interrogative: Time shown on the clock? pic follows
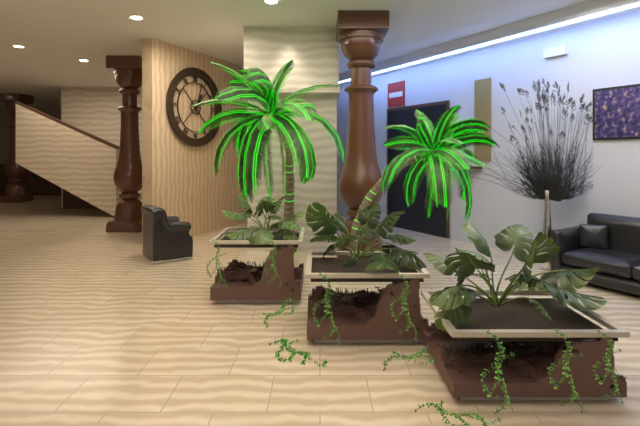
1:03
